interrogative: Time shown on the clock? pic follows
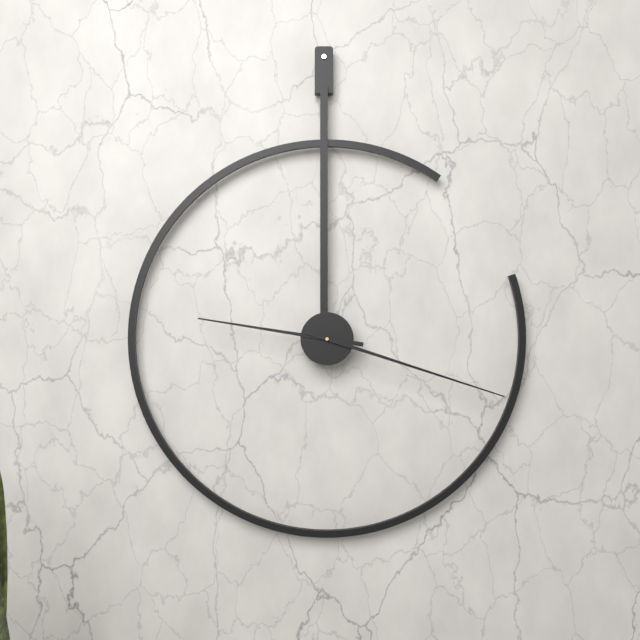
9:18
